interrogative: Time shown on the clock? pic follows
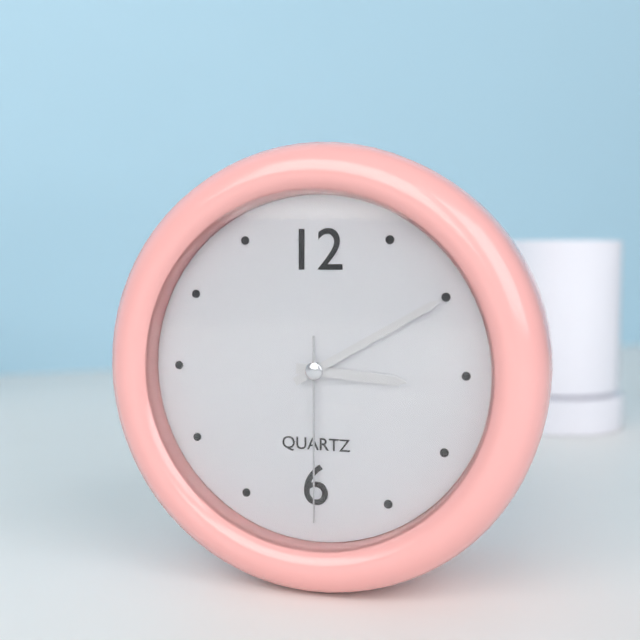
3:10:30
